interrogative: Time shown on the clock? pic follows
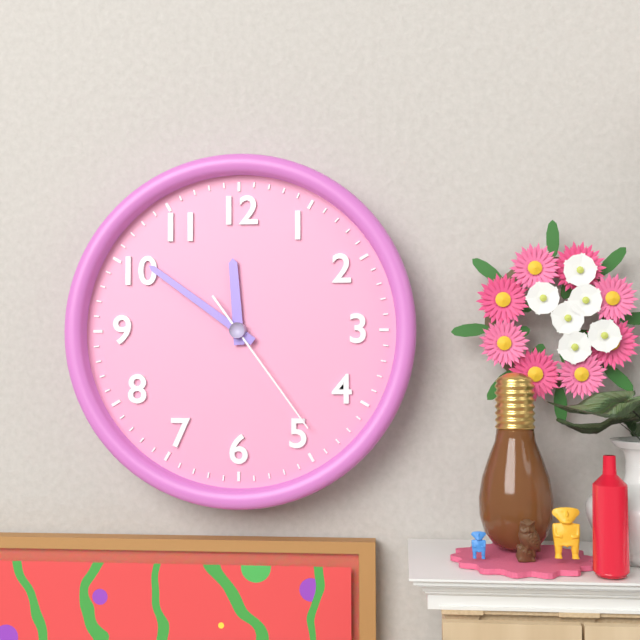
11:51:24
